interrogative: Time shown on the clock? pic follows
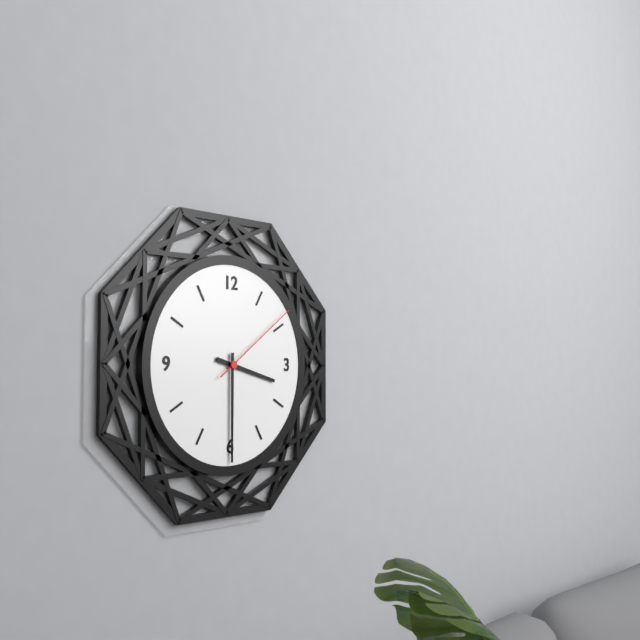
3:30:09
